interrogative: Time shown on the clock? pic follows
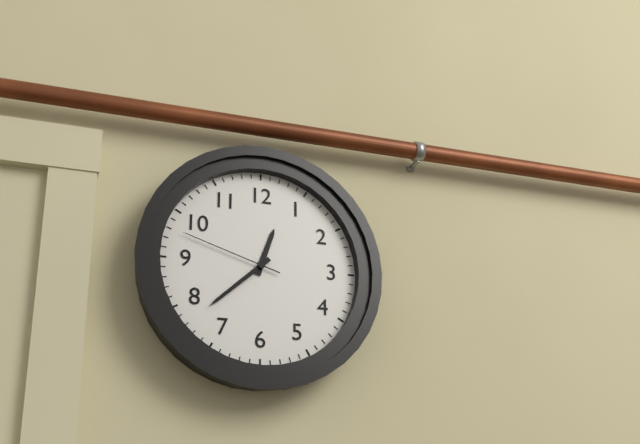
12:38:48
